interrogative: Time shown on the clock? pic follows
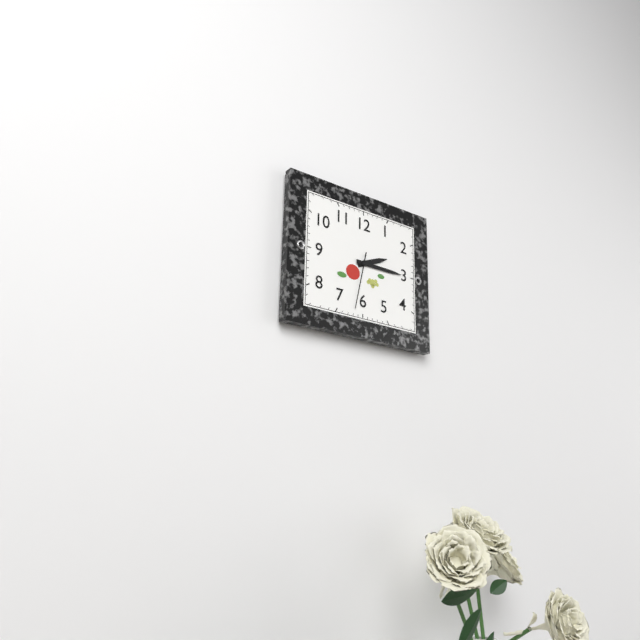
2:15:32
